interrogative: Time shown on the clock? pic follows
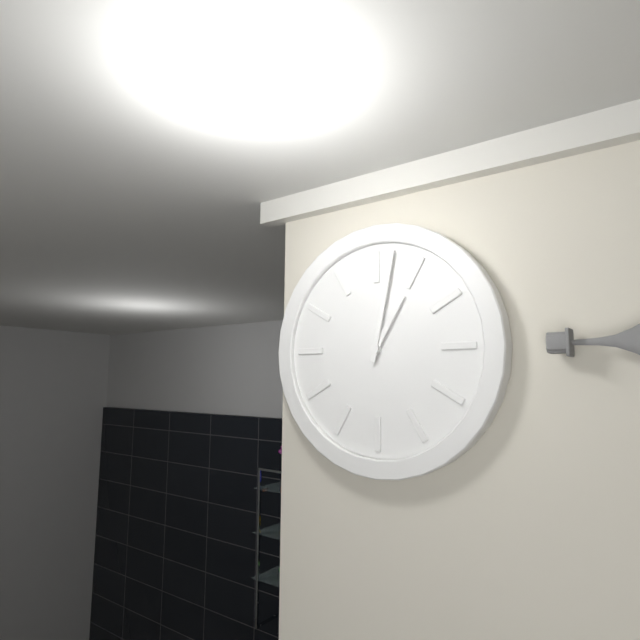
1:02
